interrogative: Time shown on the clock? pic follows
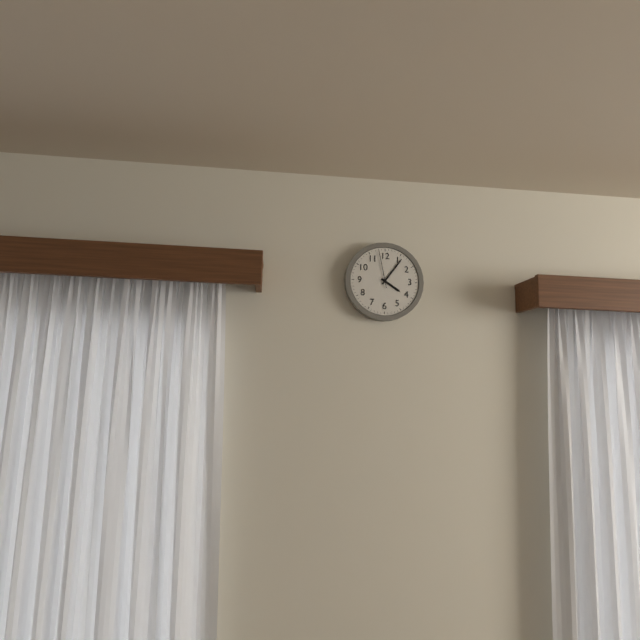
4:06
